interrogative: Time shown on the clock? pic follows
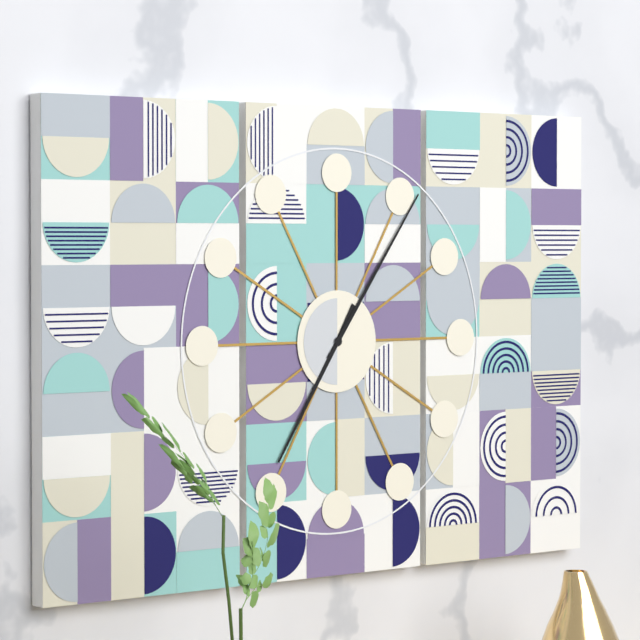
7:06
